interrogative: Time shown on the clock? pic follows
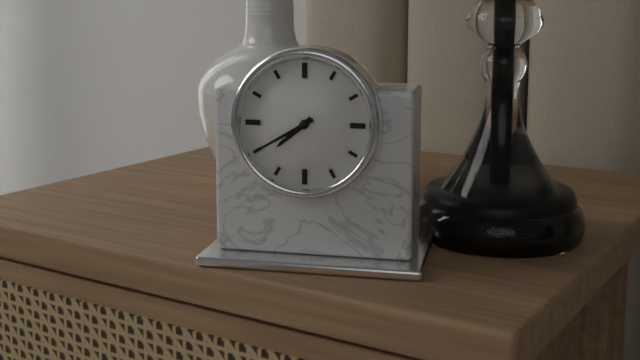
7:40
